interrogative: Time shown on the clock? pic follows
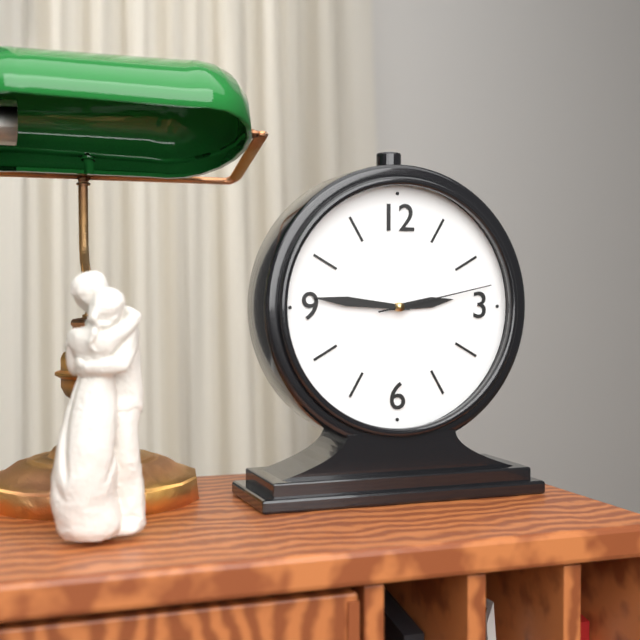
2:46:13
